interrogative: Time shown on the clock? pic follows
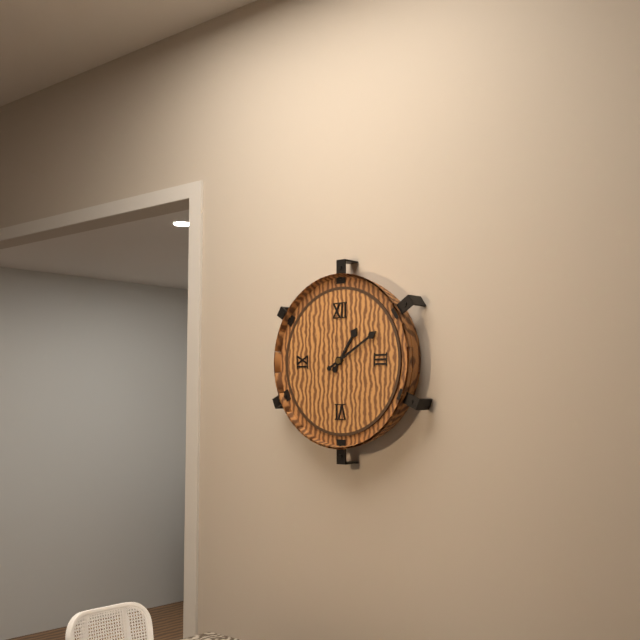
1:10
